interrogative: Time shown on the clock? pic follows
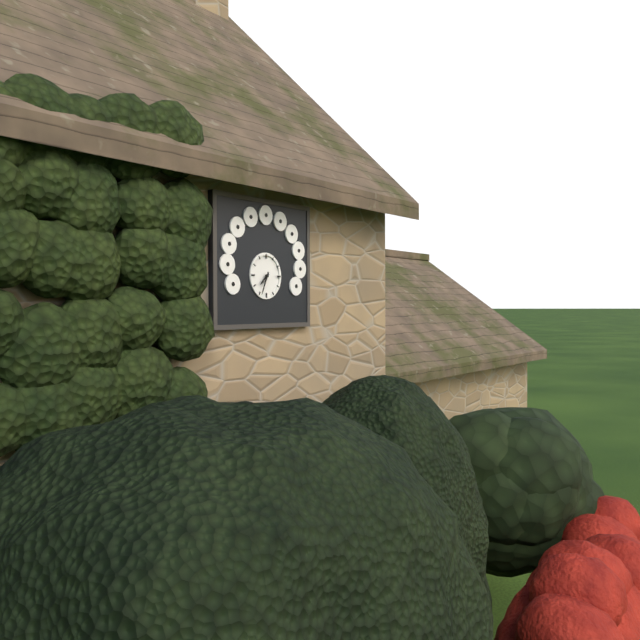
7:34
